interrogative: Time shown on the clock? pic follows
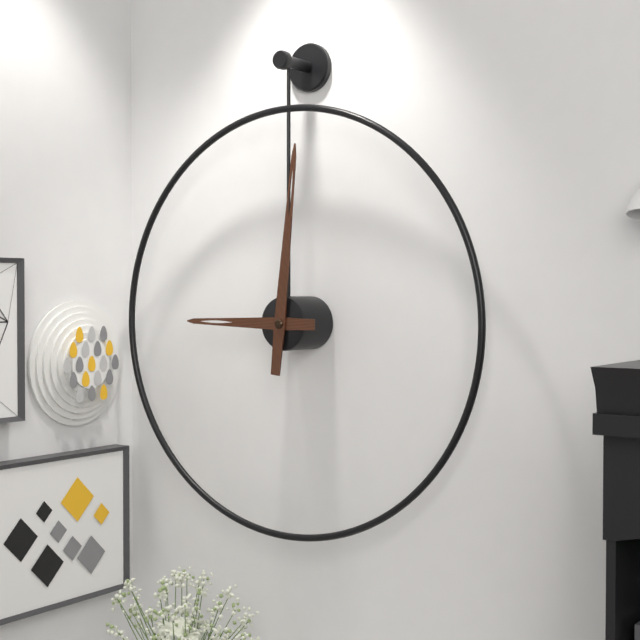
9:01
